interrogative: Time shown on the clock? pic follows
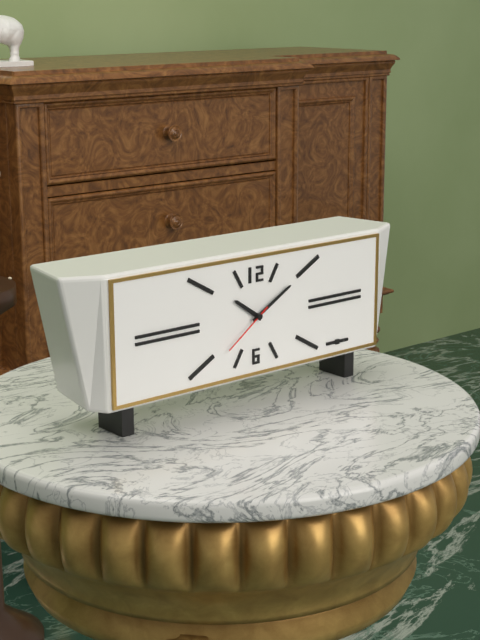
10:10:39
